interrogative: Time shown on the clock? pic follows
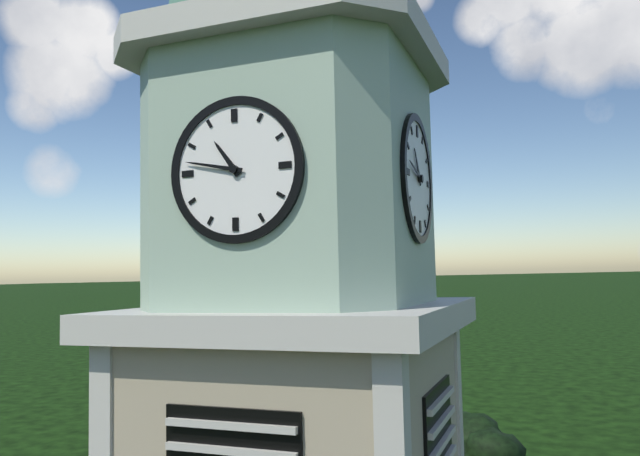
10:47
